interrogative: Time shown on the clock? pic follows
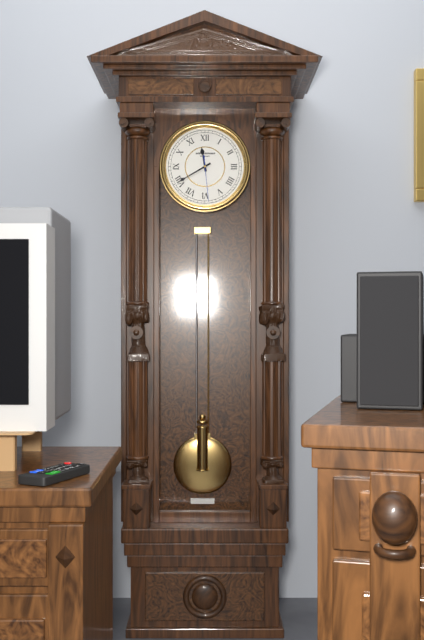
11:40
